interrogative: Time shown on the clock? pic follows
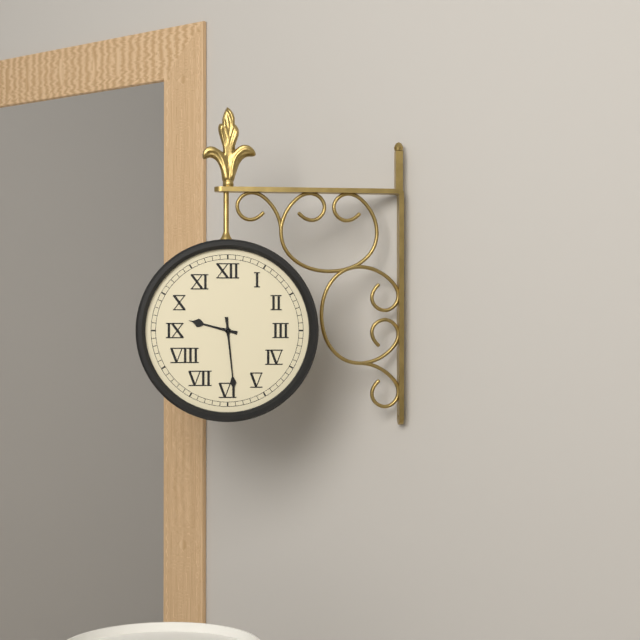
9:29
